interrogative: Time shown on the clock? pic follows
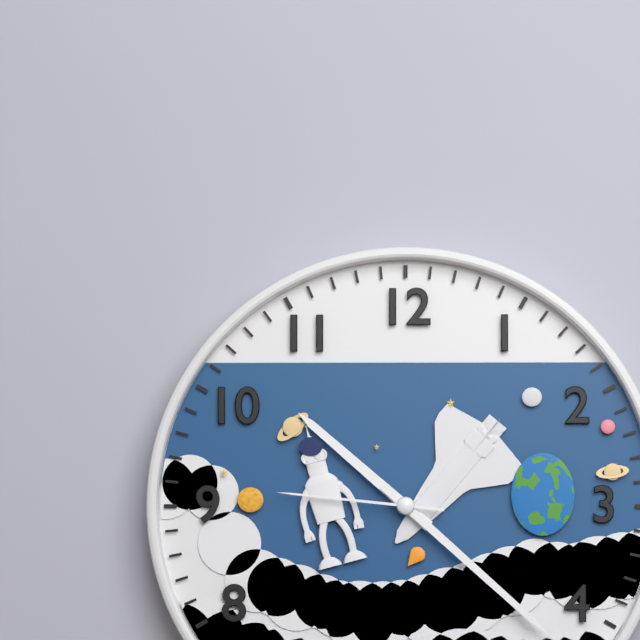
10:22:46
